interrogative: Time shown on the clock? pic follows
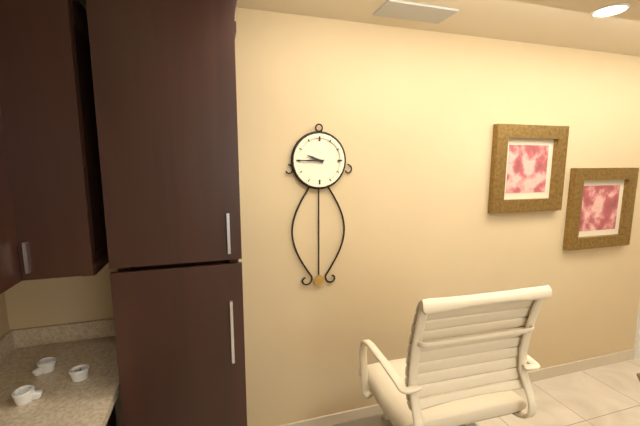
9:45
